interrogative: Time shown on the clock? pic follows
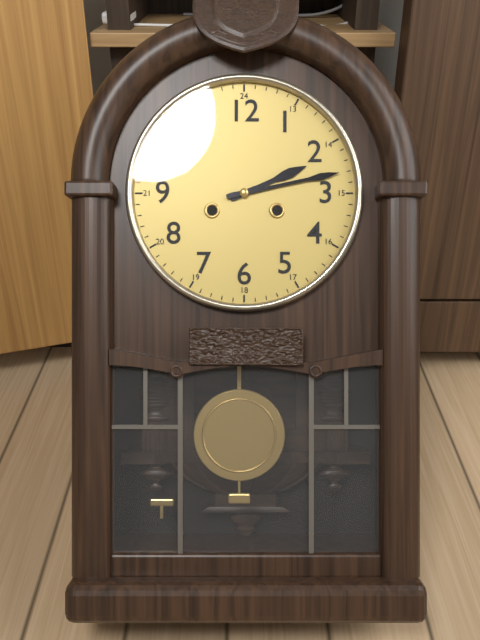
2:13
